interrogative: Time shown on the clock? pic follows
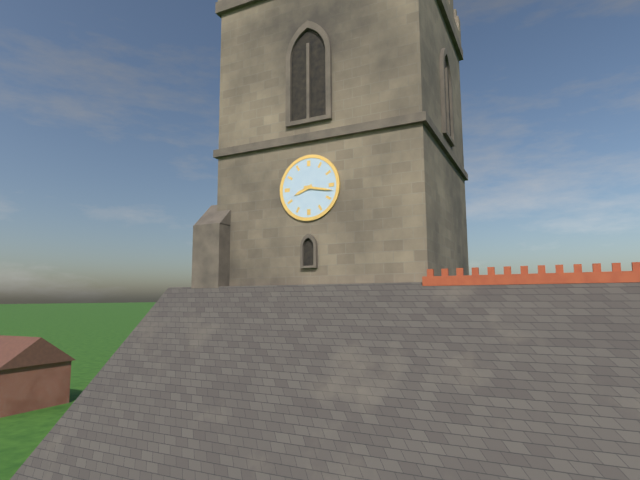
8:17
